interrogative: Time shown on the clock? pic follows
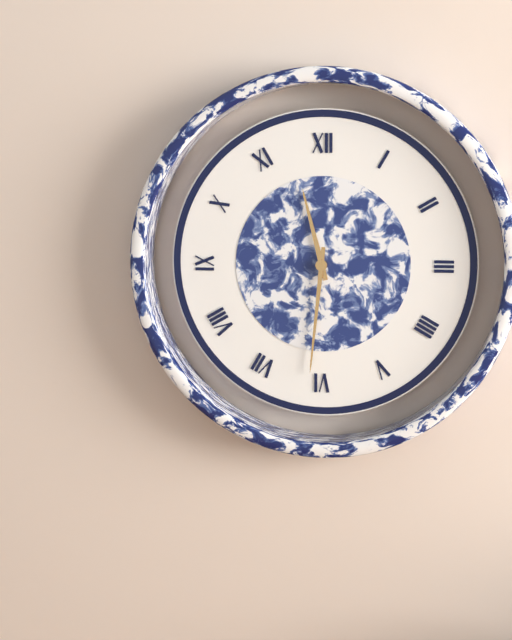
11:31
